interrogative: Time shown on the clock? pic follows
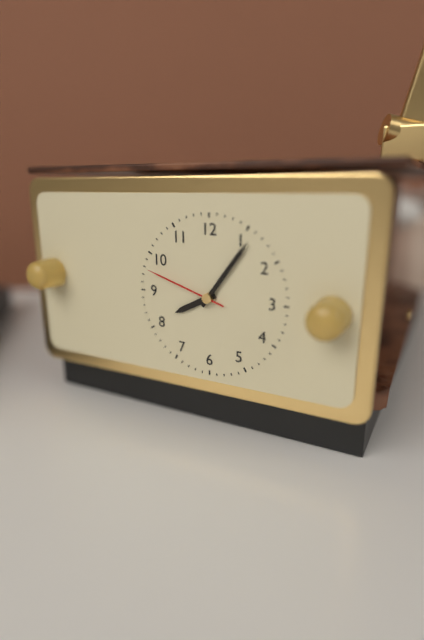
8:06:48
